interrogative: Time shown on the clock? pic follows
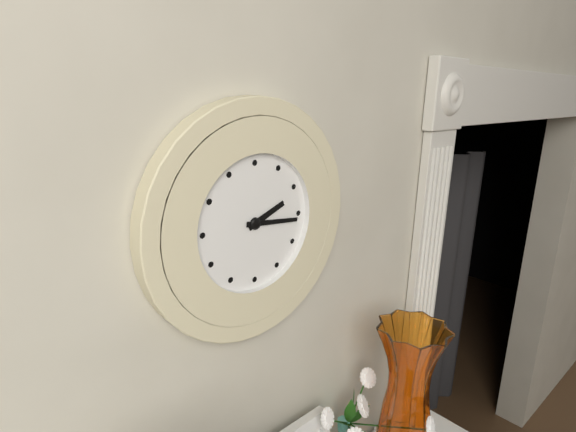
2:16
